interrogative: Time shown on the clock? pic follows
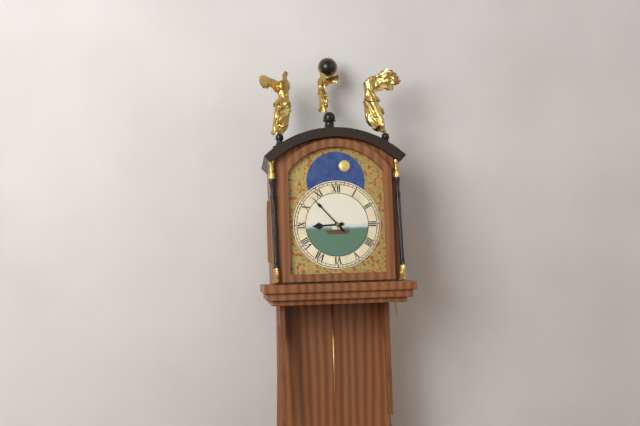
8:53
